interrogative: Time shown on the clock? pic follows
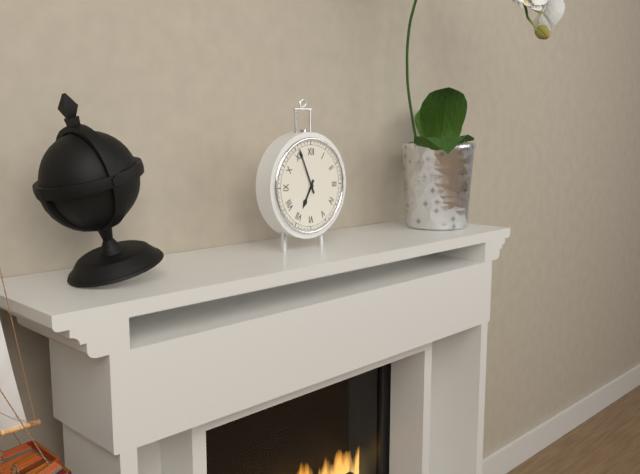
6:56
